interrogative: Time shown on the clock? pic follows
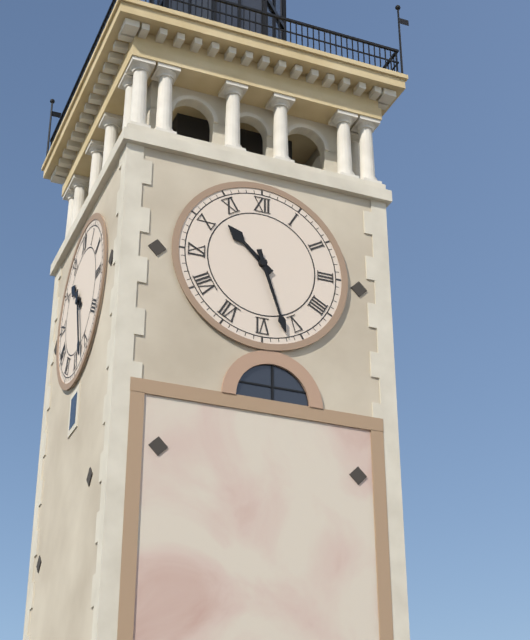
10:27
